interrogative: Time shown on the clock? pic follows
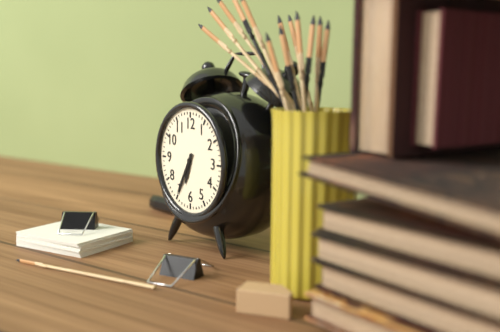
6:35
